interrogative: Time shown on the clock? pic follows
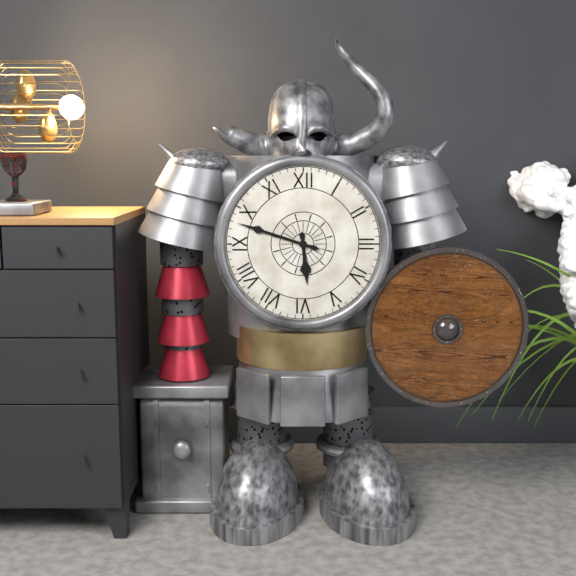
5:48
